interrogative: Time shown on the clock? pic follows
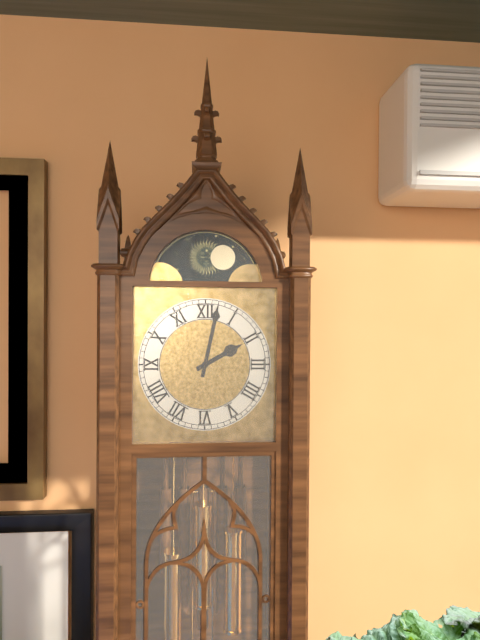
2:02
